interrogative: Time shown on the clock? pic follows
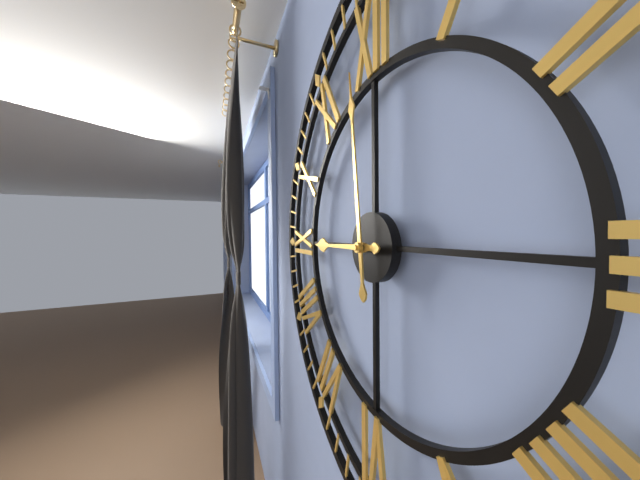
8:59
